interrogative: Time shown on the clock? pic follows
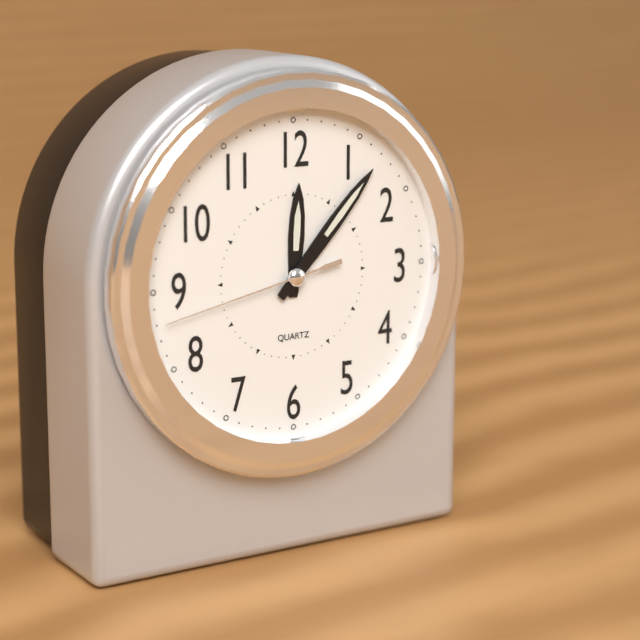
12:07:43
